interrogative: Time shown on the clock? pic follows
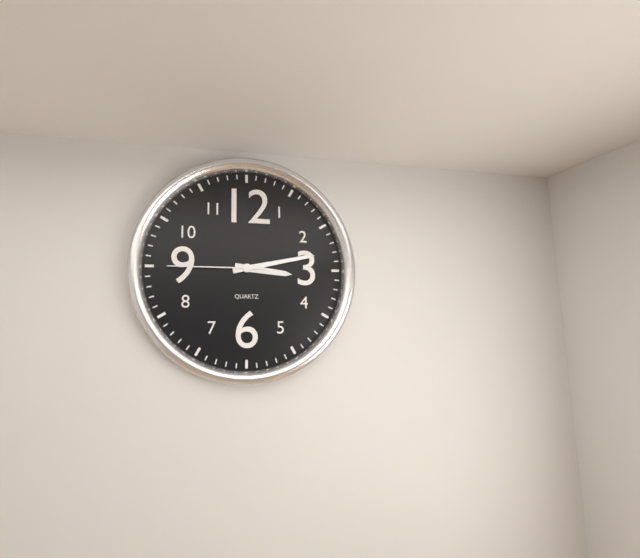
3:13:45
